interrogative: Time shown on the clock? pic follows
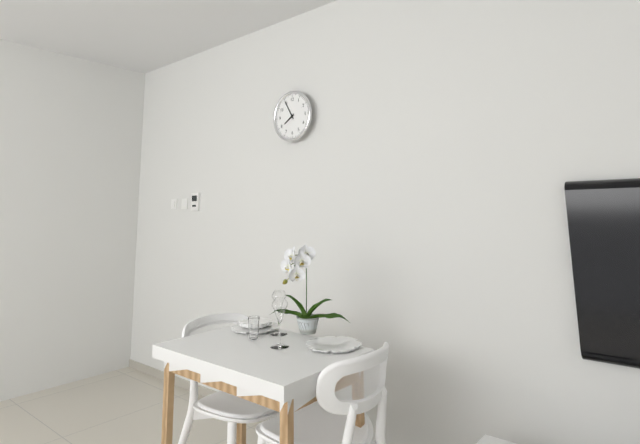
7:55
